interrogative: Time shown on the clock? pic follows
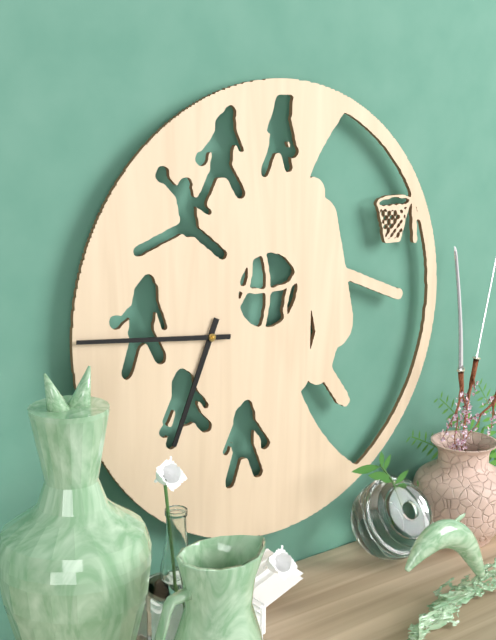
6:46
